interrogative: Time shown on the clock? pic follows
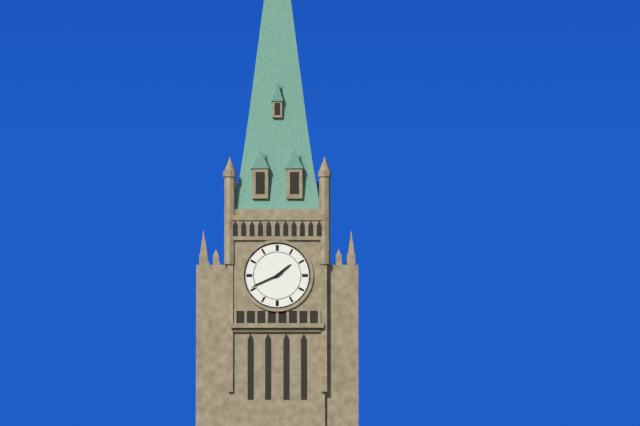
1:41
